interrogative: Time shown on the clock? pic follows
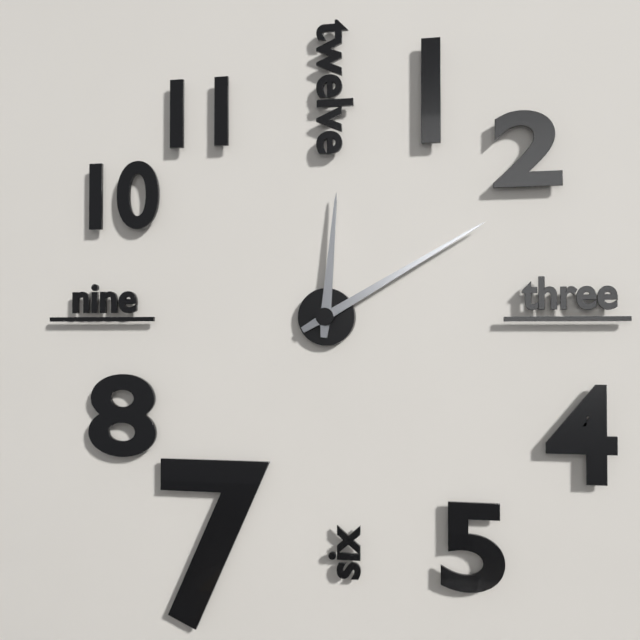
12:10
